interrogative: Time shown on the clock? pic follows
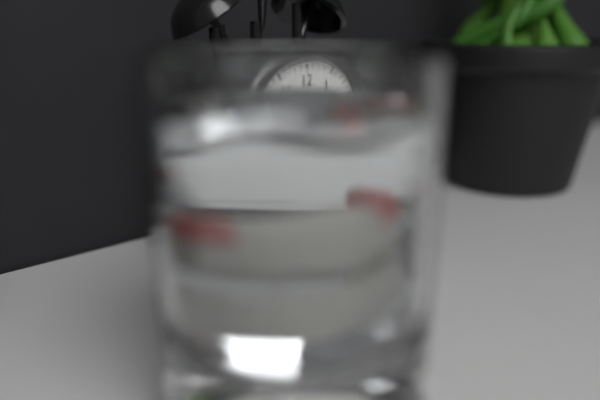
10:18
